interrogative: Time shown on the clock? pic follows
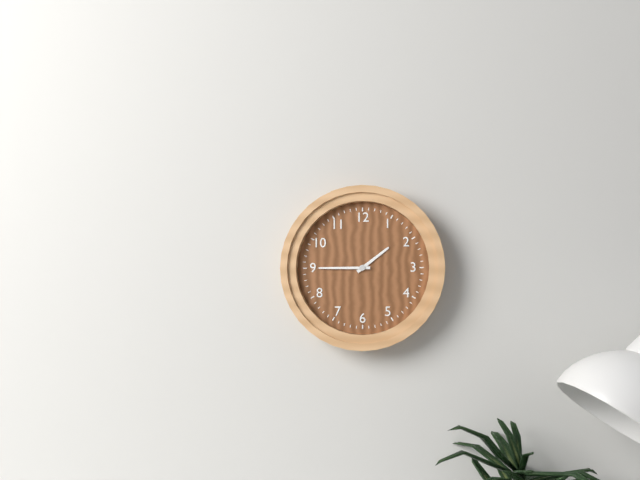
1:45
